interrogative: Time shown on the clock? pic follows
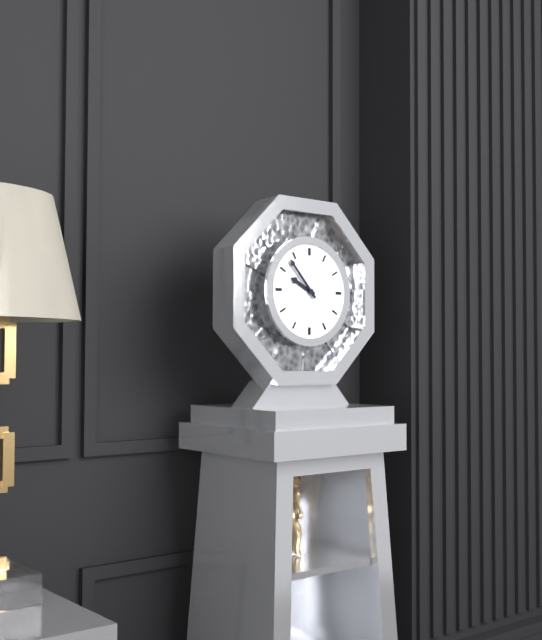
9:53
